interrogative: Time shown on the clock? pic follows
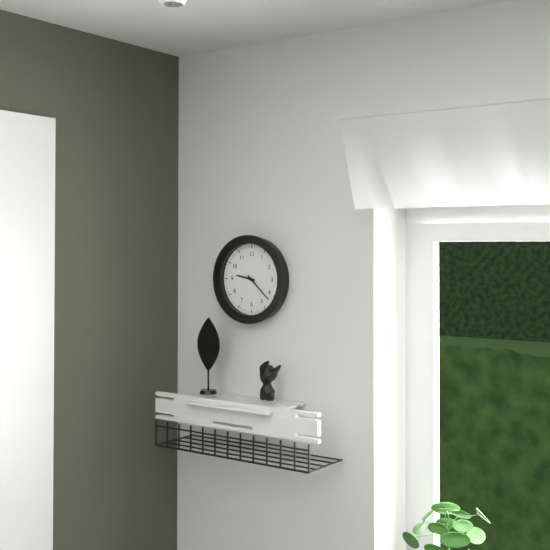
9:22
